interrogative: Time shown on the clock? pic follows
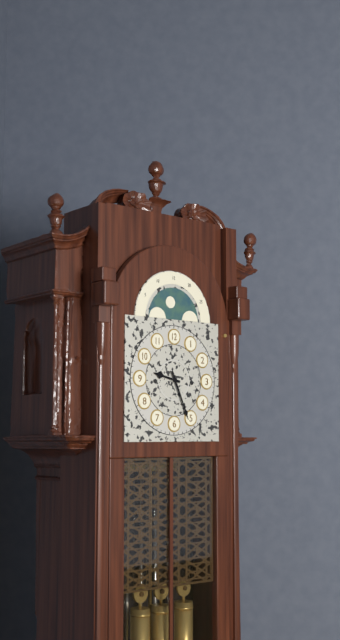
9:26
